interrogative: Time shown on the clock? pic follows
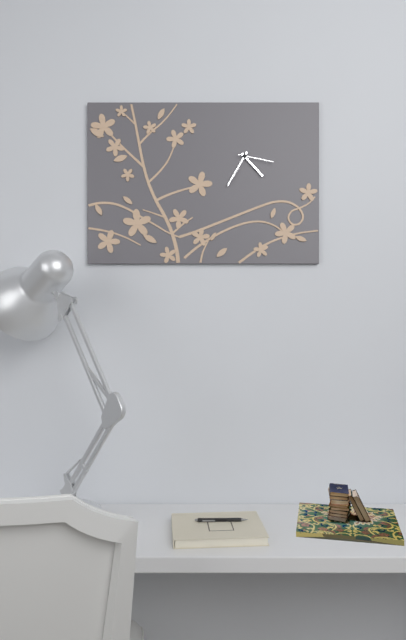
4:35
